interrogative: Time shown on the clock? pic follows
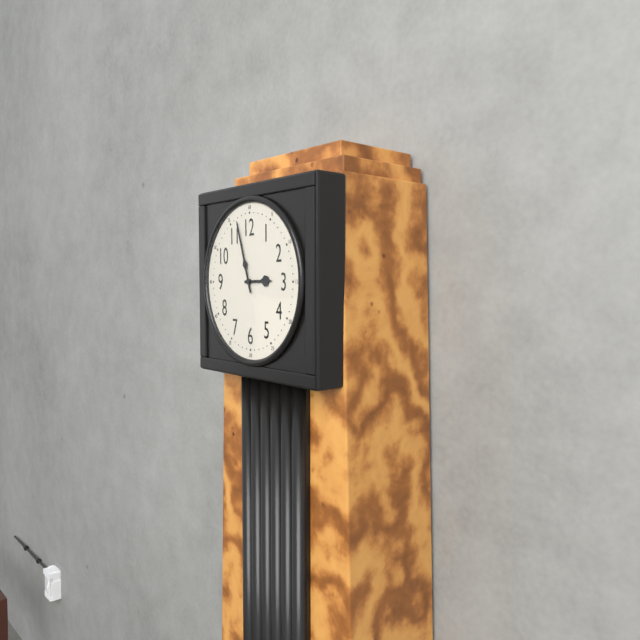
2:57
